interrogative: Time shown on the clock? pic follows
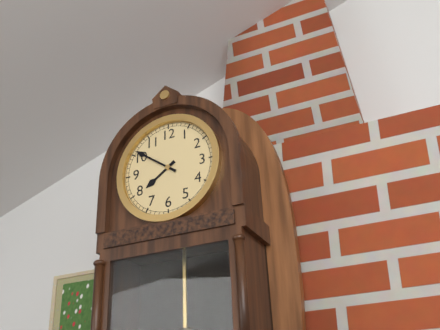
7:51
